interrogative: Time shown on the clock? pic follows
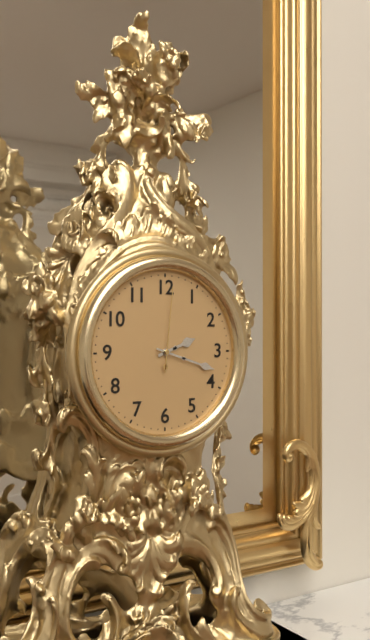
2:18:01
